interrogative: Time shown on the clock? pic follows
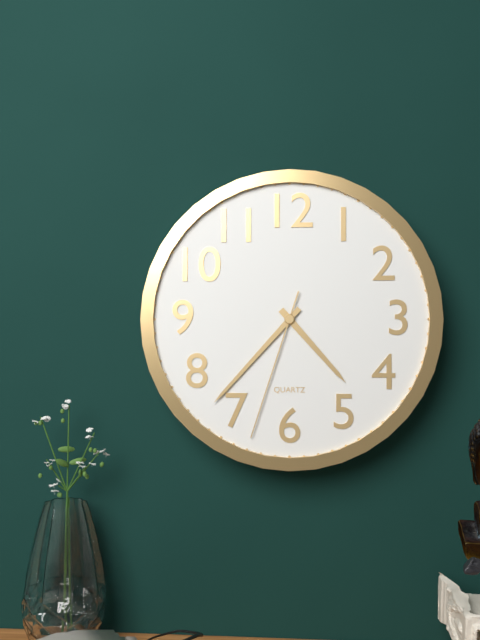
4:37:33
